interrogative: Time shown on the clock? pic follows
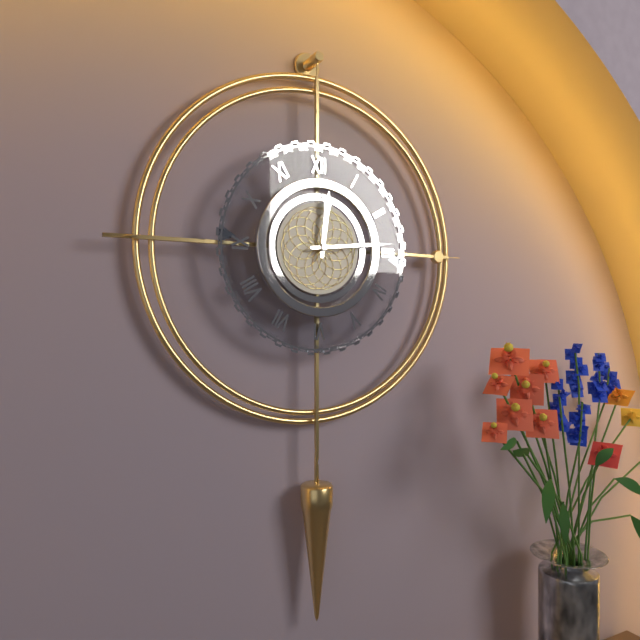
12:14
